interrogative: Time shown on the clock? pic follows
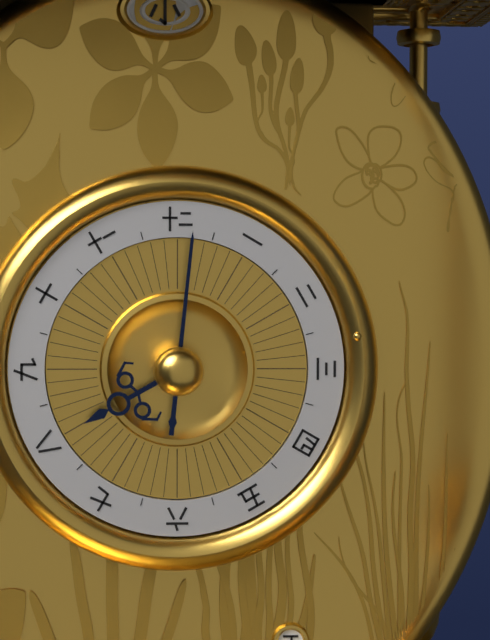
8:01
